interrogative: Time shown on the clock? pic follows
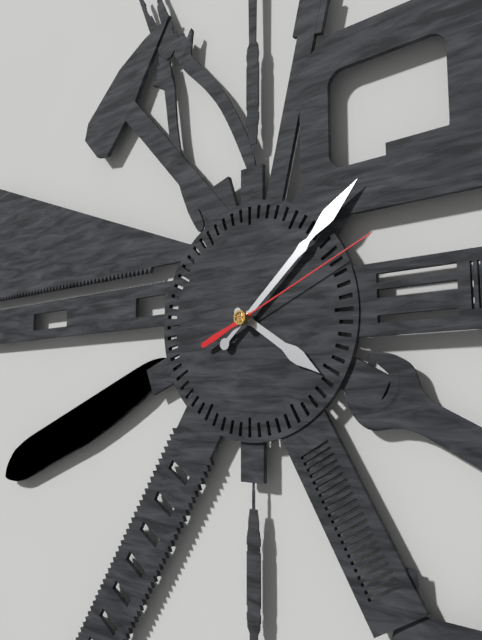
4:08:11
